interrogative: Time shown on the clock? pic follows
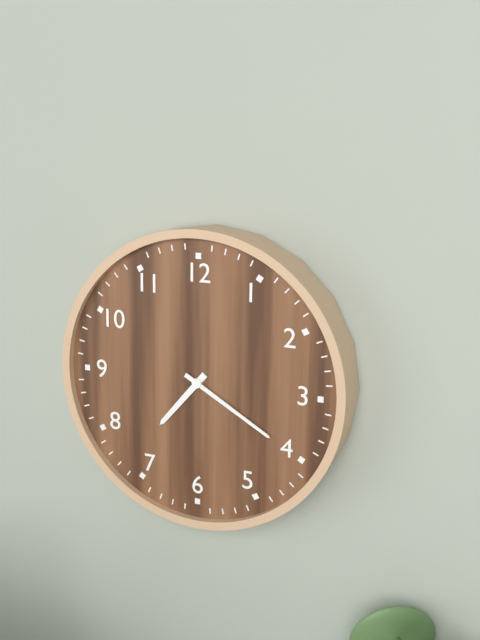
7:20
